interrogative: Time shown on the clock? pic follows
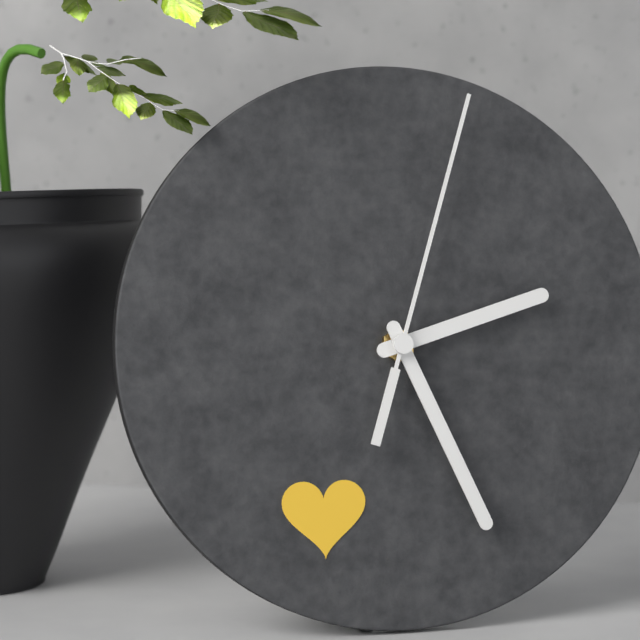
2:26:03
